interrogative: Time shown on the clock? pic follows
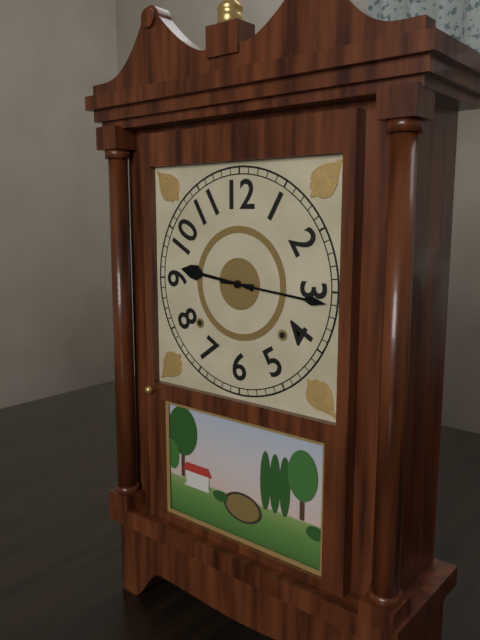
9:16
